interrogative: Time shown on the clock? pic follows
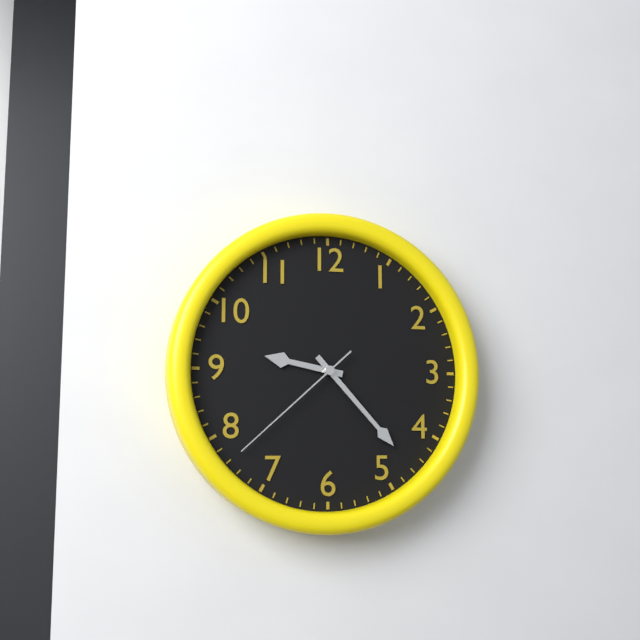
9:23:38
